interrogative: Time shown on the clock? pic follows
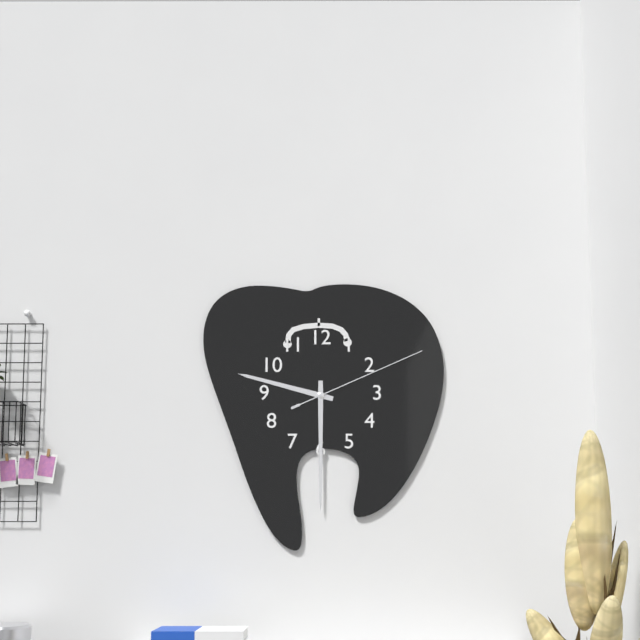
9:30:11
